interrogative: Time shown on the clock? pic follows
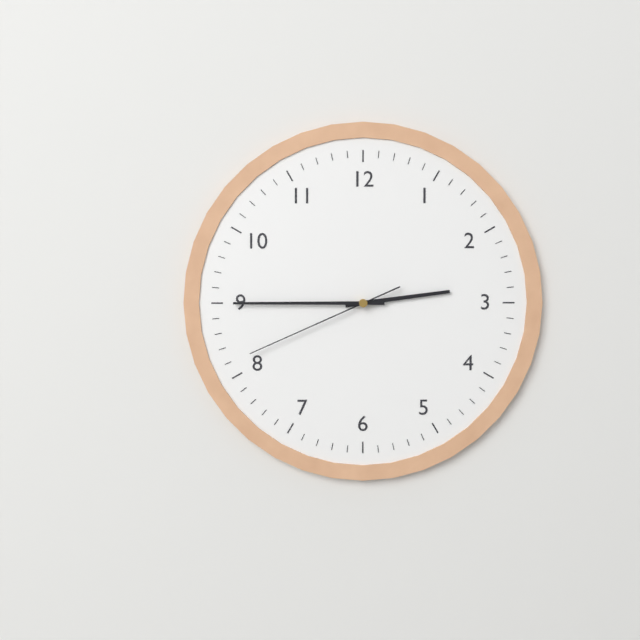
2:45:41
